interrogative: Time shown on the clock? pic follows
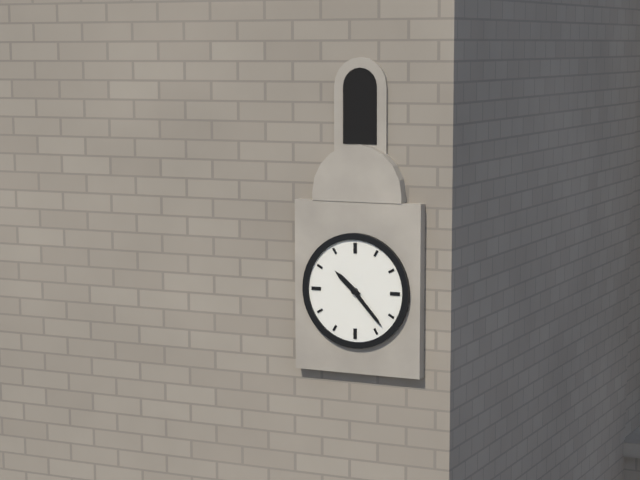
10:23
